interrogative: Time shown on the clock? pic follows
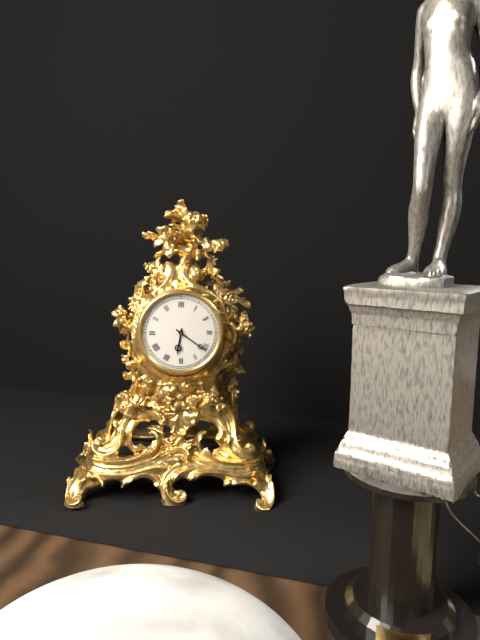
6:21
